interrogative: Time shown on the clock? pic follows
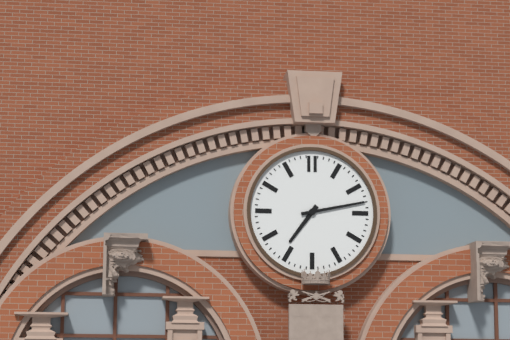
7:13
